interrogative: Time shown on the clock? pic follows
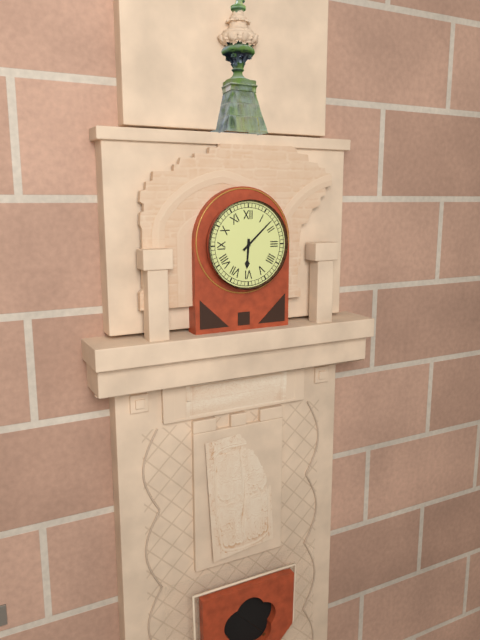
6:08
